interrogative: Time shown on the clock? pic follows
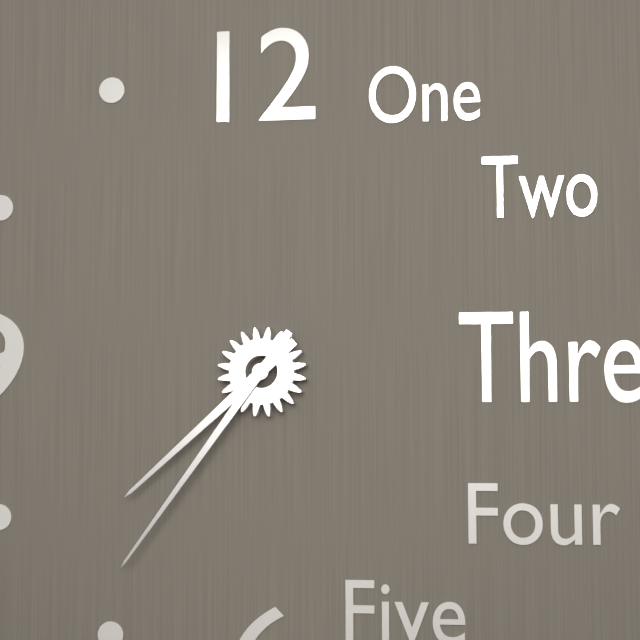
7:36
